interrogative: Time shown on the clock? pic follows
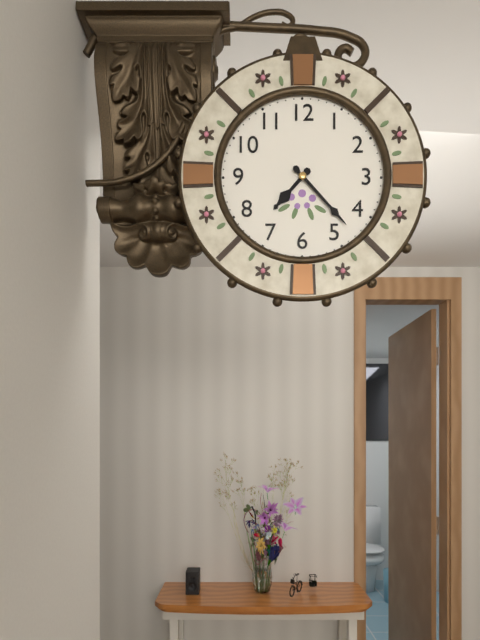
7:23
